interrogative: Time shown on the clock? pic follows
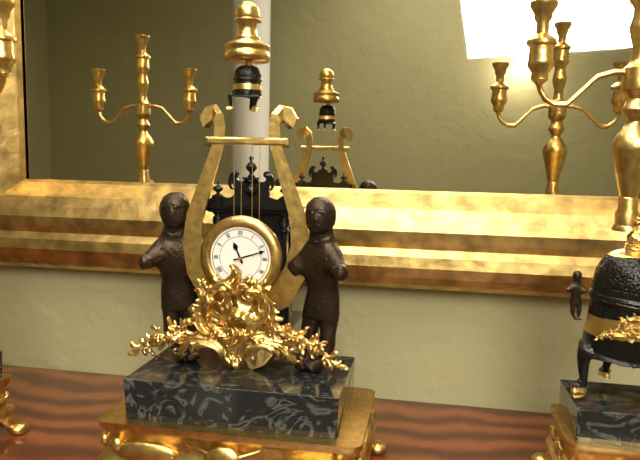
11:12
